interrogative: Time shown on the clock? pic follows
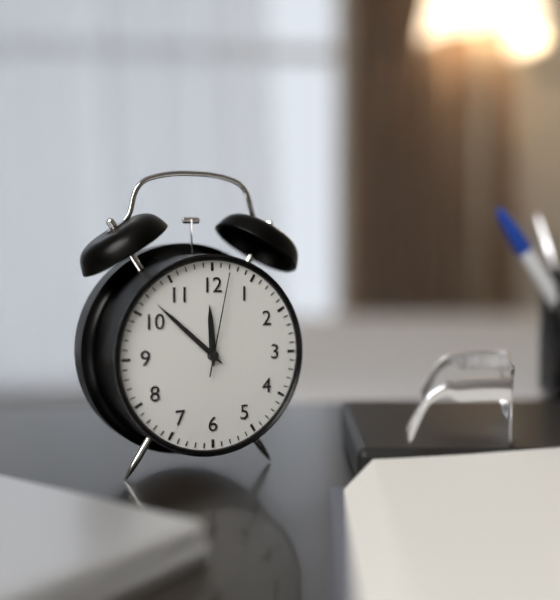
11:52:02
